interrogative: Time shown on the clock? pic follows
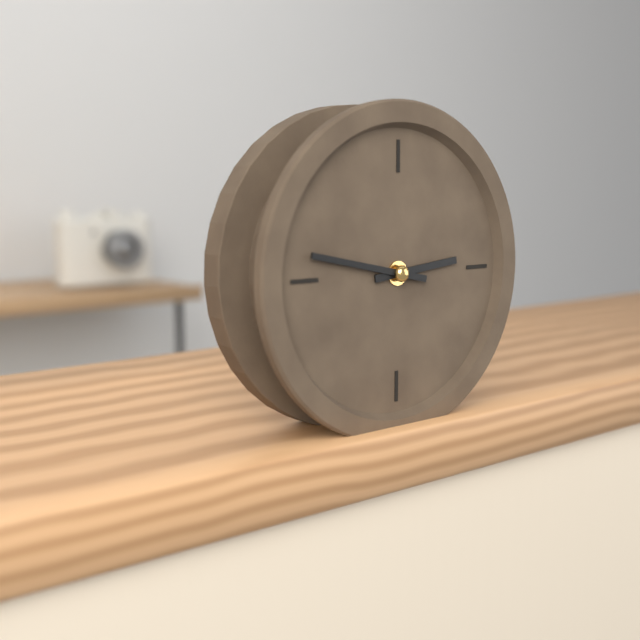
2:47
